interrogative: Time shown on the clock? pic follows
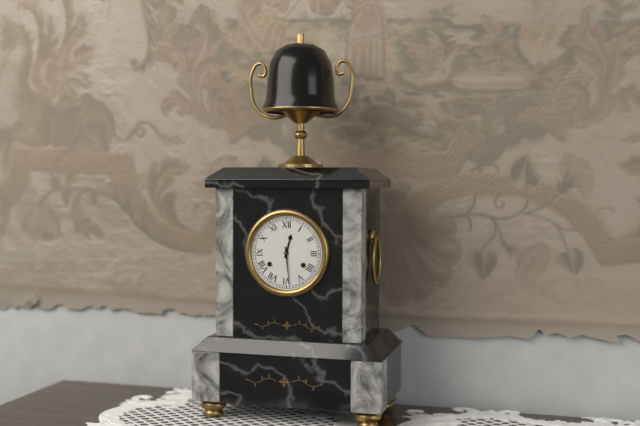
12:29
